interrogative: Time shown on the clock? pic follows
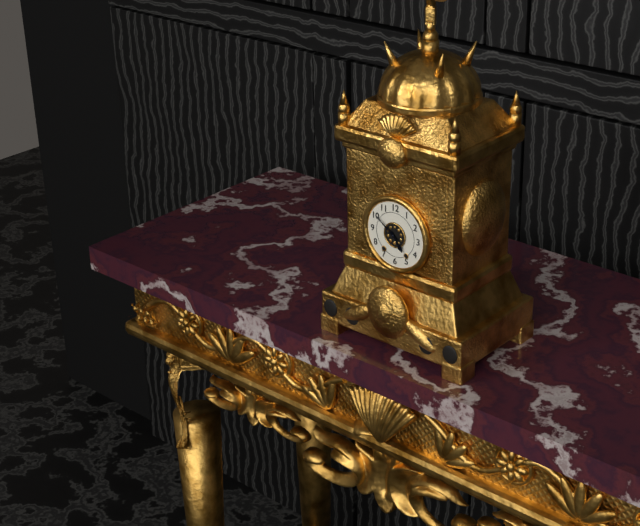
4:51
